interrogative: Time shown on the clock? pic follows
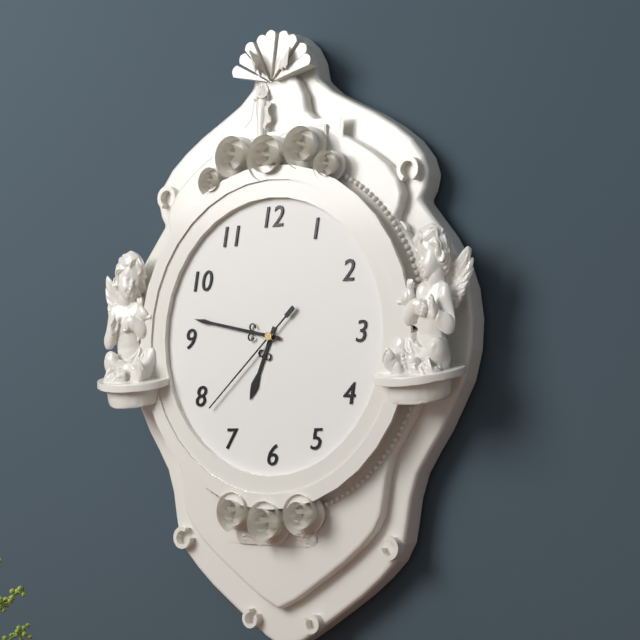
6:47:38
